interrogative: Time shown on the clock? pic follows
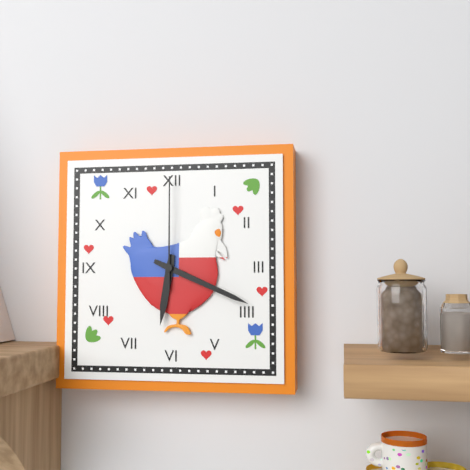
6:19:00
